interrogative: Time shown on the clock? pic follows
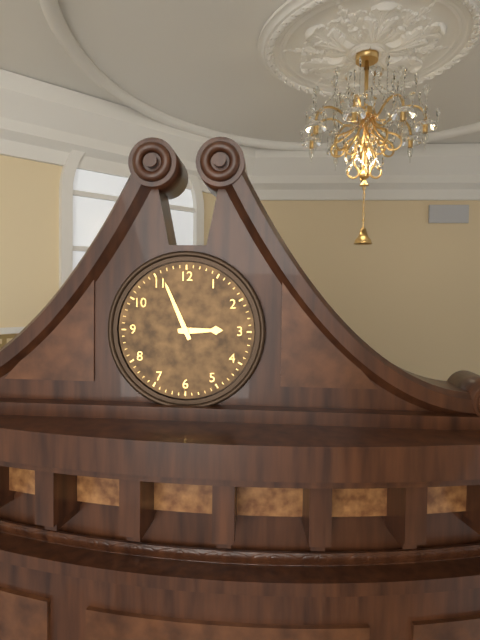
2:56
